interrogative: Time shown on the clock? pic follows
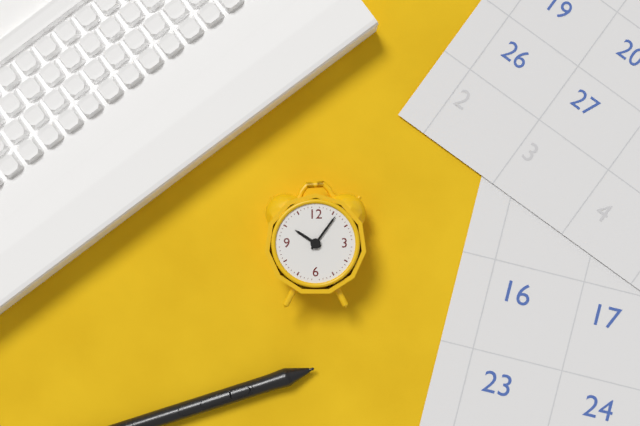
10:06
